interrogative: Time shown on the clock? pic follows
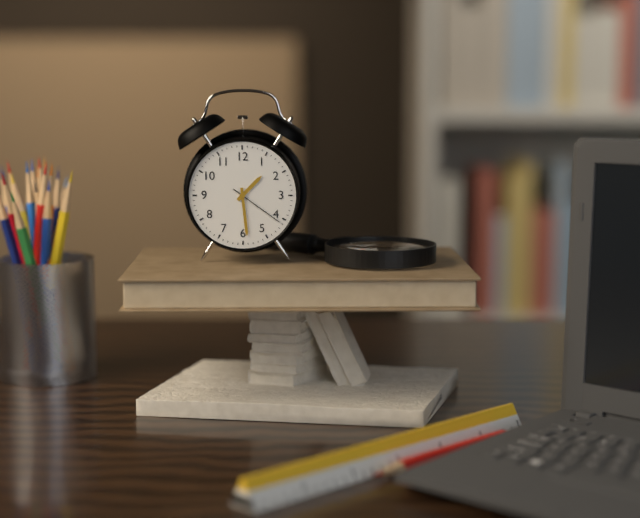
1:29:21
